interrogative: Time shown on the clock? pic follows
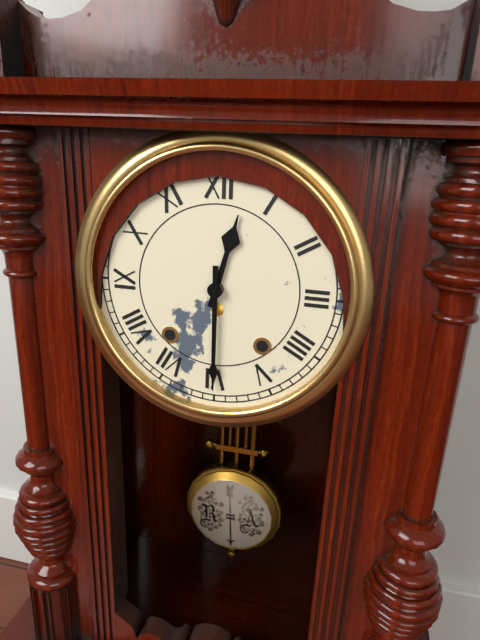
12:30
